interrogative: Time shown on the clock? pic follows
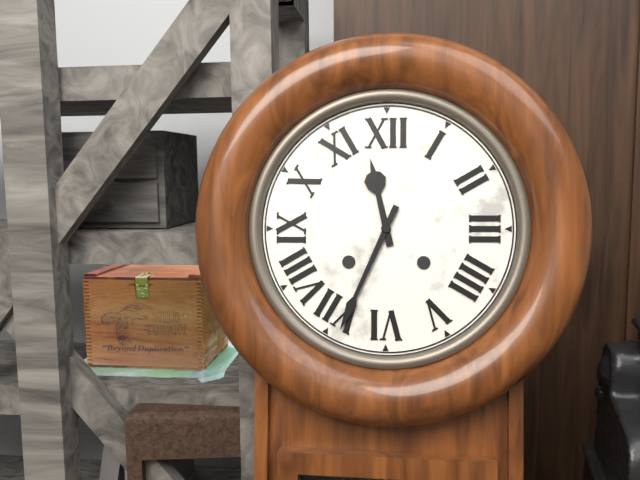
11:34
